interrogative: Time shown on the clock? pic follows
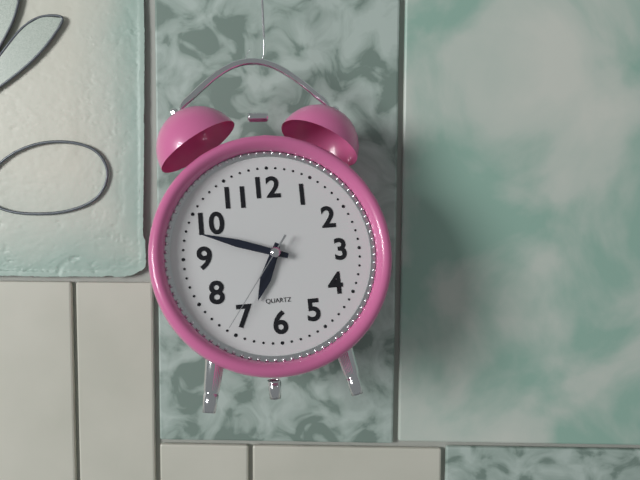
6:48:36
